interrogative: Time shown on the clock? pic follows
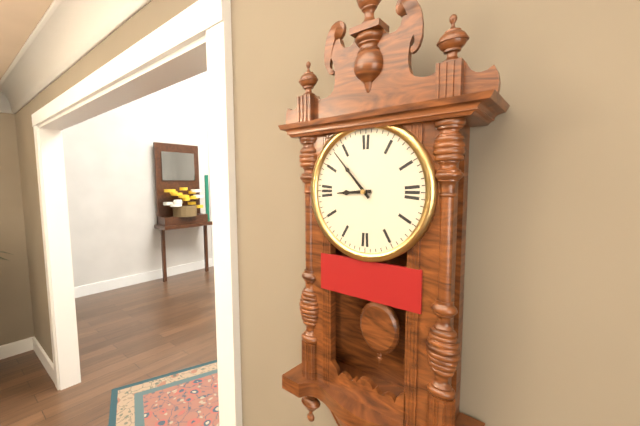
8:53
